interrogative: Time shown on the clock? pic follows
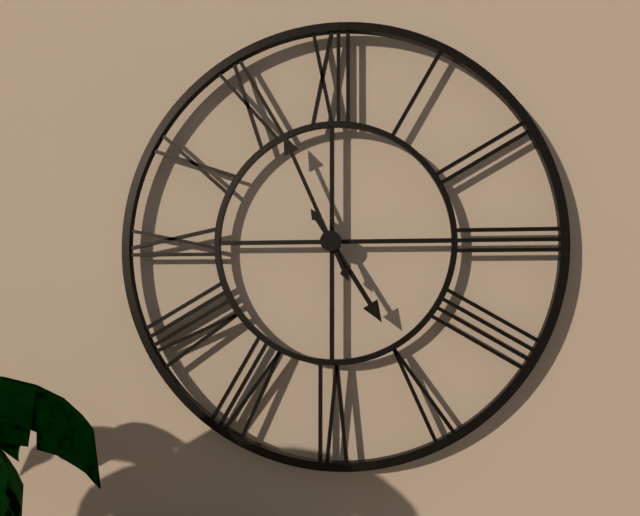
4:56
